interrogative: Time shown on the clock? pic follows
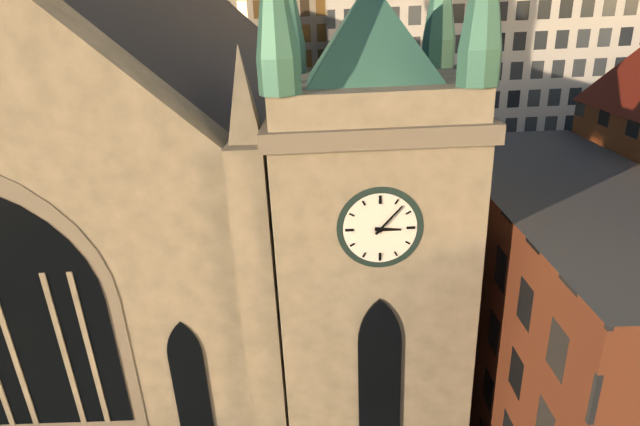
3:07
